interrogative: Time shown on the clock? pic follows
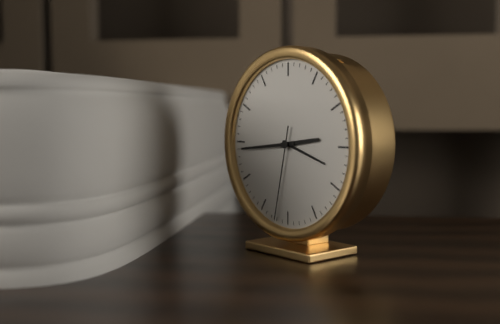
2:44:32
